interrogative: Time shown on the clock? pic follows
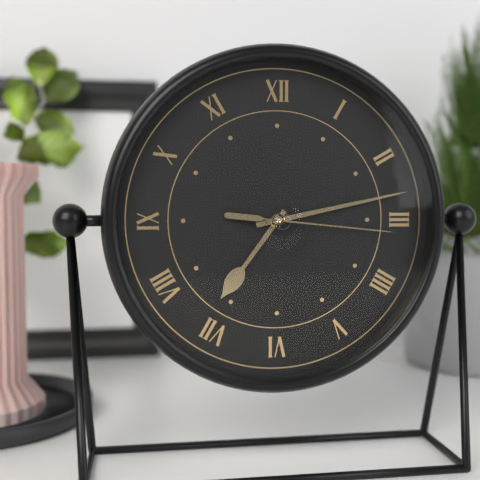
7:13:16
